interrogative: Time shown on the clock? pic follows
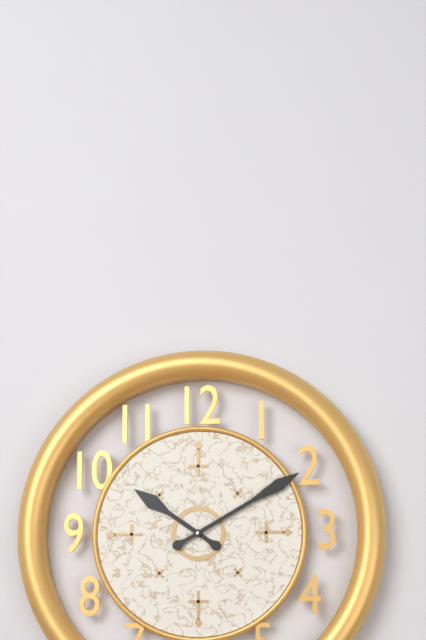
10:10
